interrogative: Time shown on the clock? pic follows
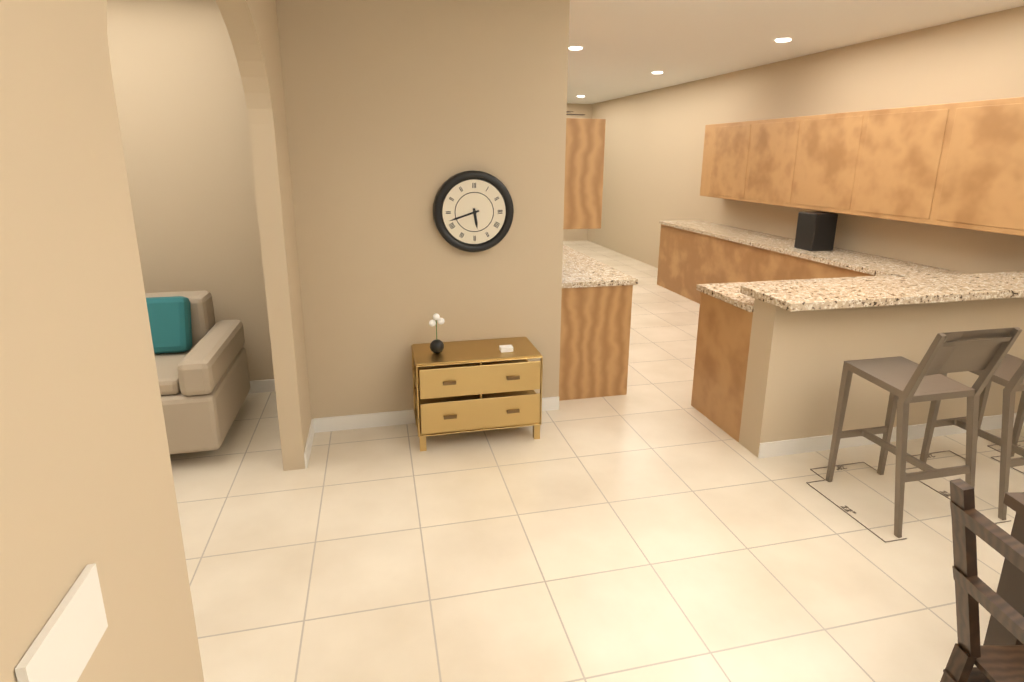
5:42
